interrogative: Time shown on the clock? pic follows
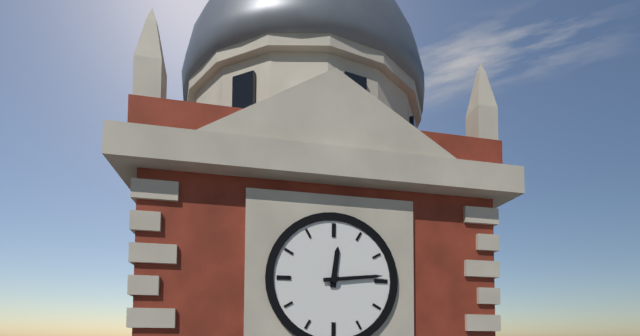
12:14
